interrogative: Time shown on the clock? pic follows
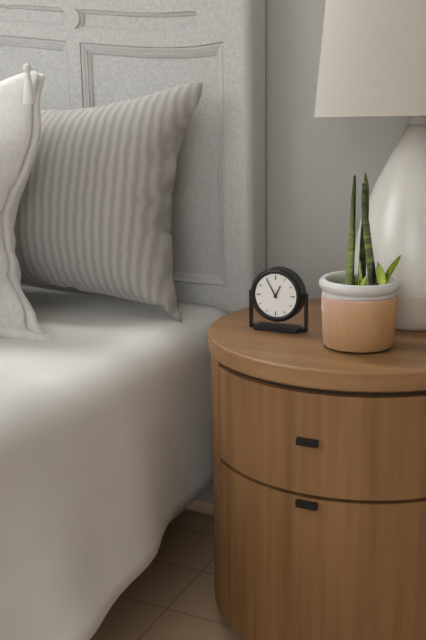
12:55
